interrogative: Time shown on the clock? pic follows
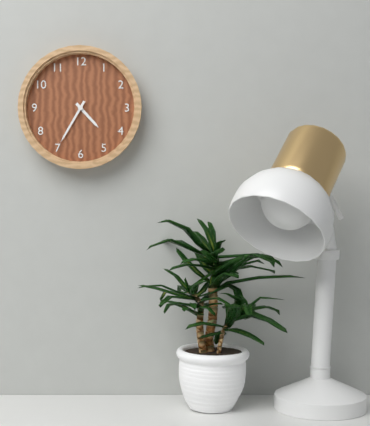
4:35
